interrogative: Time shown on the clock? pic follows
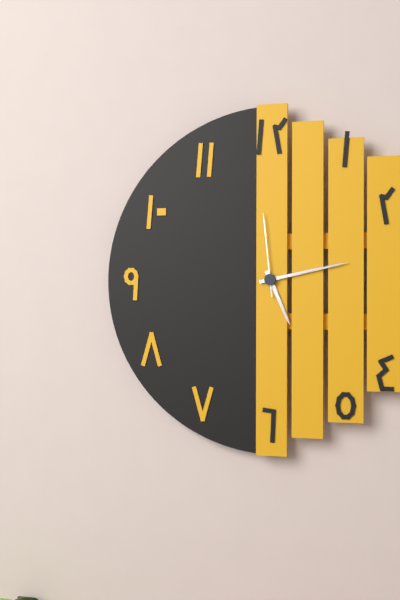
5:13:59
